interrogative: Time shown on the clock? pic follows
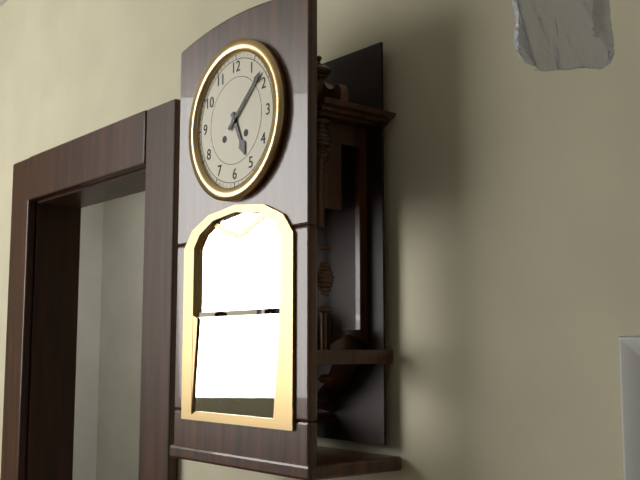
5:08
